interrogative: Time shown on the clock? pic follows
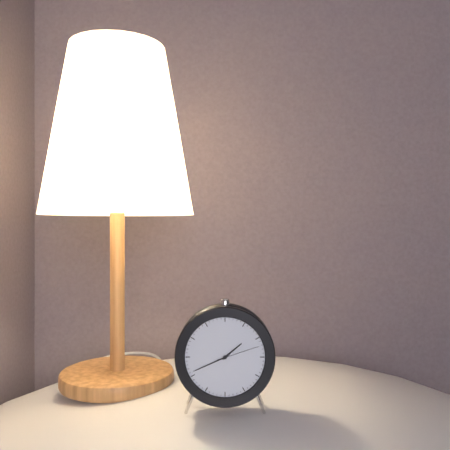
1:41
